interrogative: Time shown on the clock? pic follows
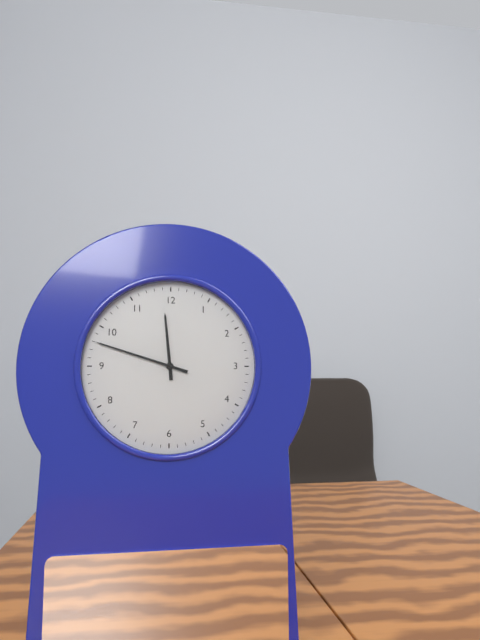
11:48
